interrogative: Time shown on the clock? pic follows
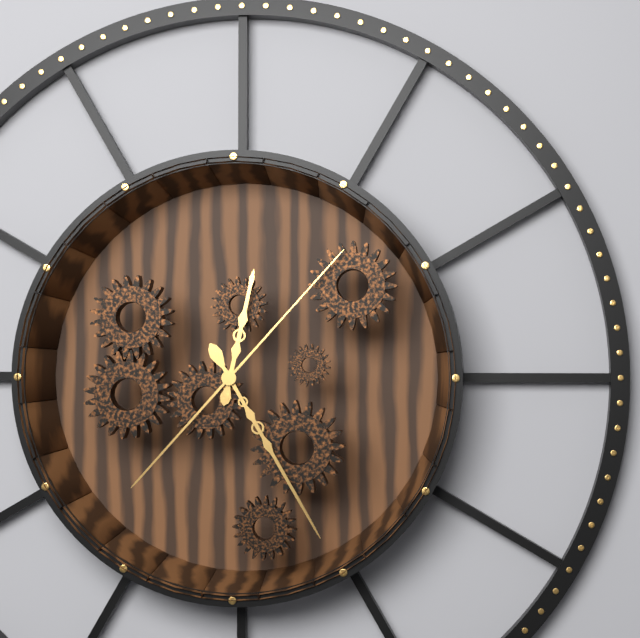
12:25:07
